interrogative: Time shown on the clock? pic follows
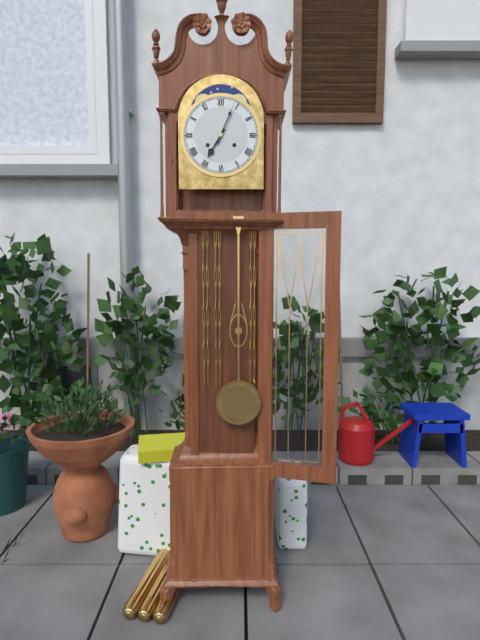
7:04
